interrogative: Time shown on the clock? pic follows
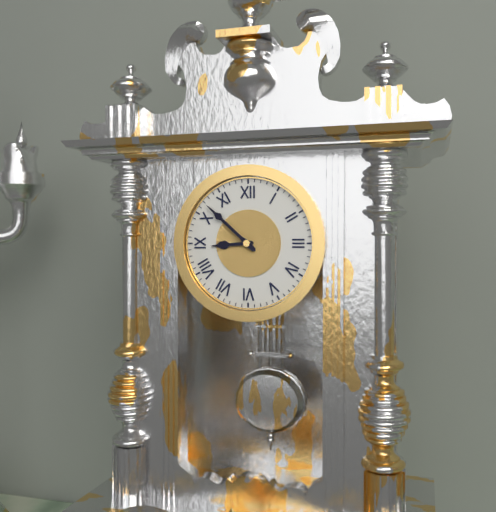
8:52
